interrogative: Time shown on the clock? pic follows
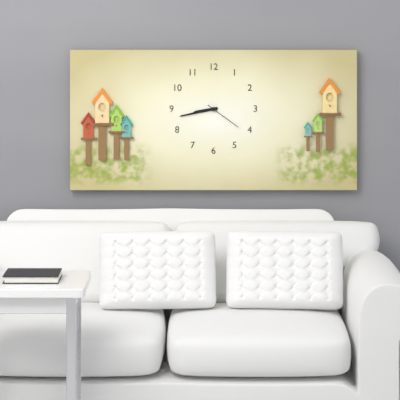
8:43
